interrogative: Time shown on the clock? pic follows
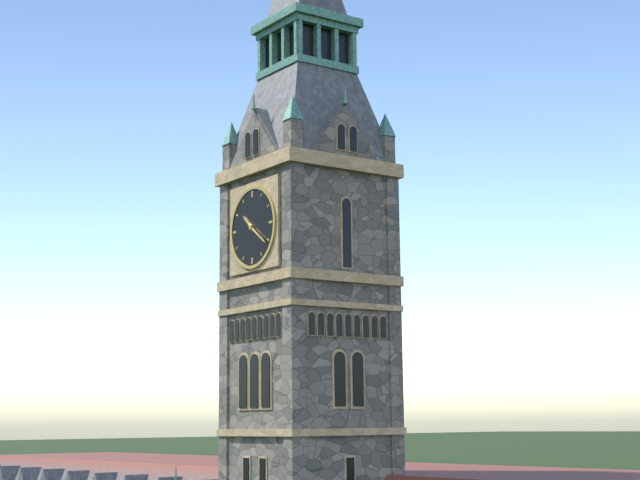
10:21
